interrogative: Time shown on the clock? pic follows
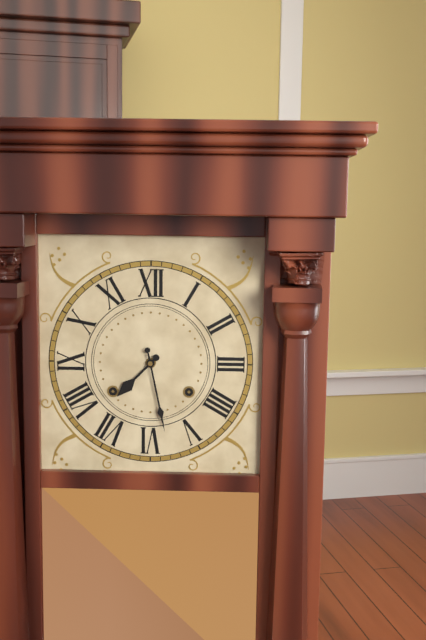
7:28
